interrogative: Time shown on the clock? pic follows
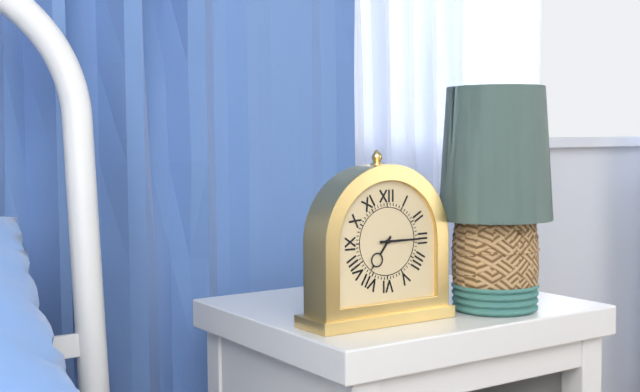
7:15
